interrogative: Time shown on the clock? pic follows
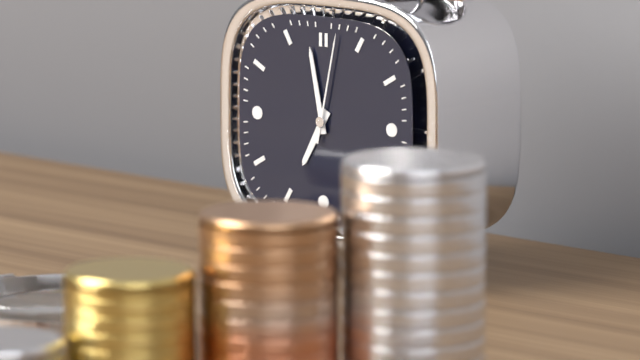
6:58:02
